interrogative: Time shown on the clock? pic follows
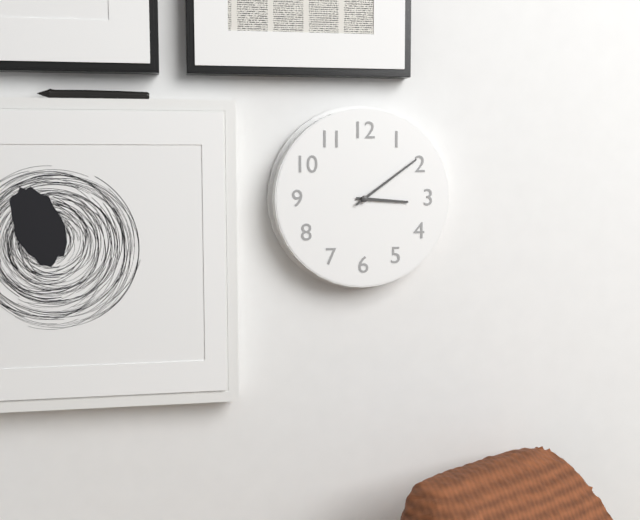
3:09
